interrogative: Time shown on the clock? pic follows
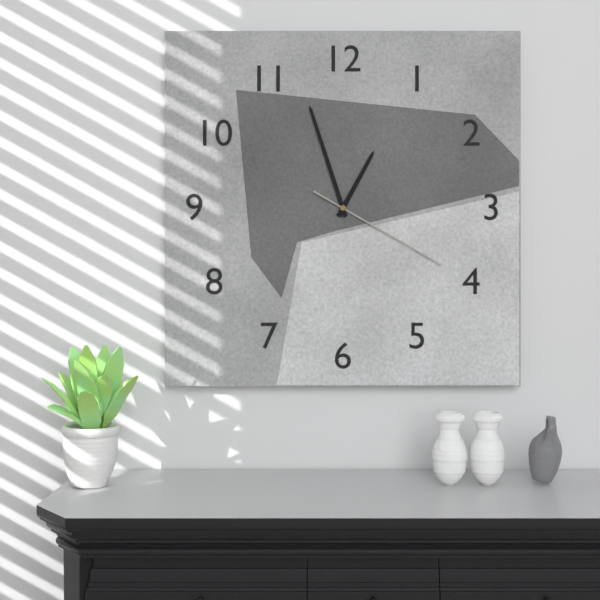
12:57:20
